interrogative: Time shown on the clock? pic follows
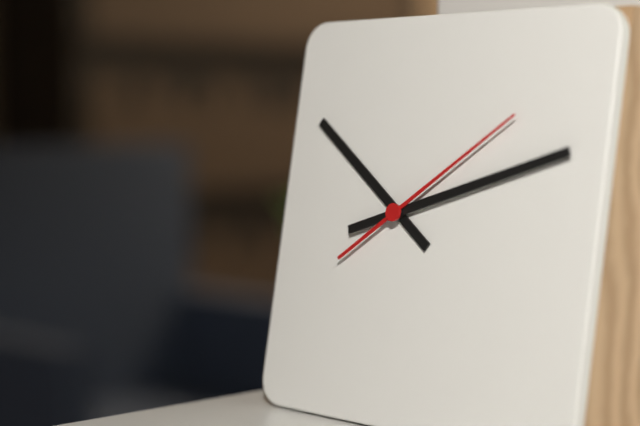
10:12:09
